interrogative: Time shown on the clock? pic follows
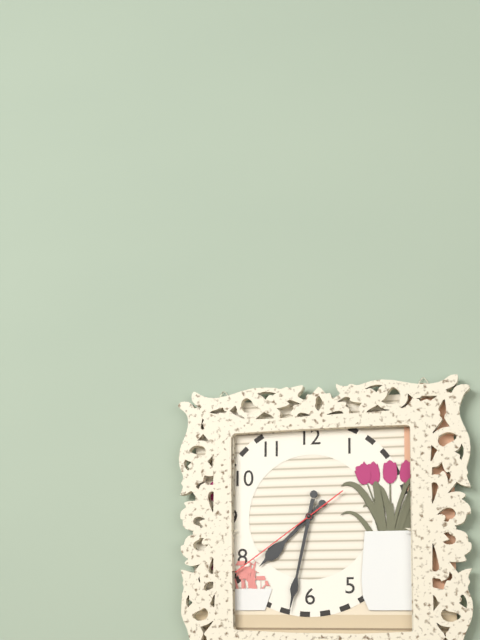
7:32:39
